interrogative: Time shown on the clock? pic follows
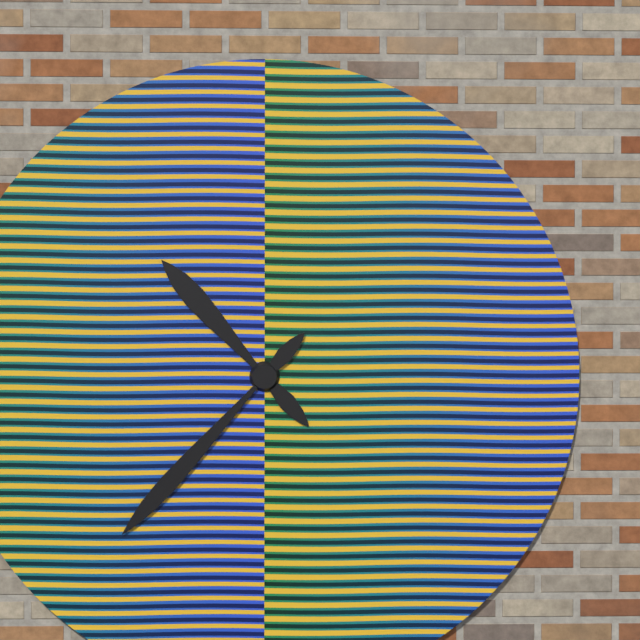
10:37
